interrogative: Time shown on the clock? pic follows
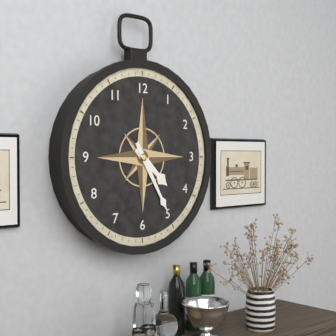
4:25
